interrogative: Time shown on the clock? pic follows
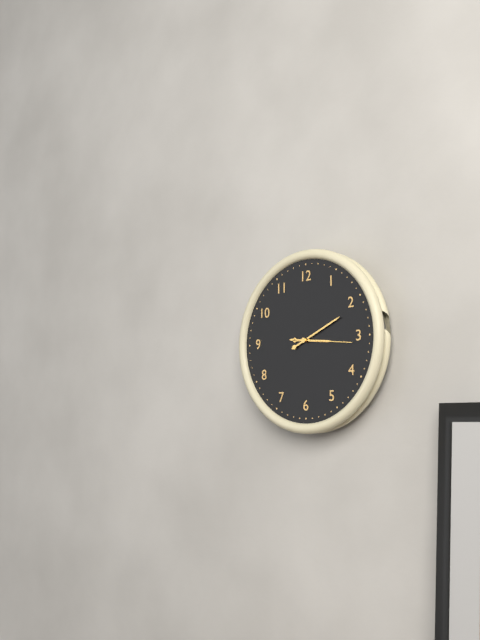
3:11:16
